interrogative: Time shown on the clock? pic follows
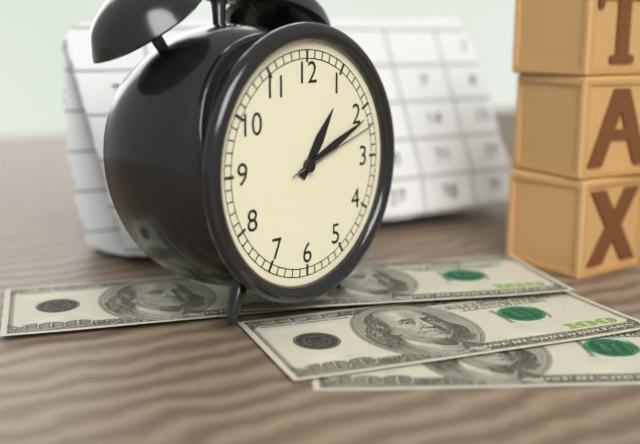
1:11:12
